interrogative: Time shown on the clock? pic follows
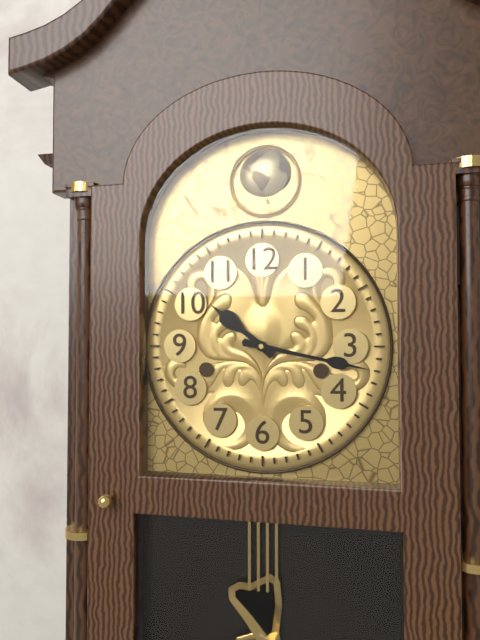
10:17
